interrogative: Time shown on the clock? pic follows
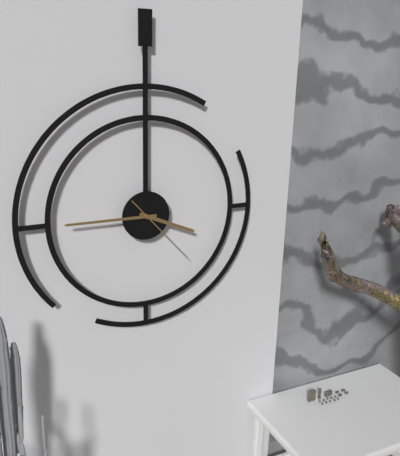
3:45:23
